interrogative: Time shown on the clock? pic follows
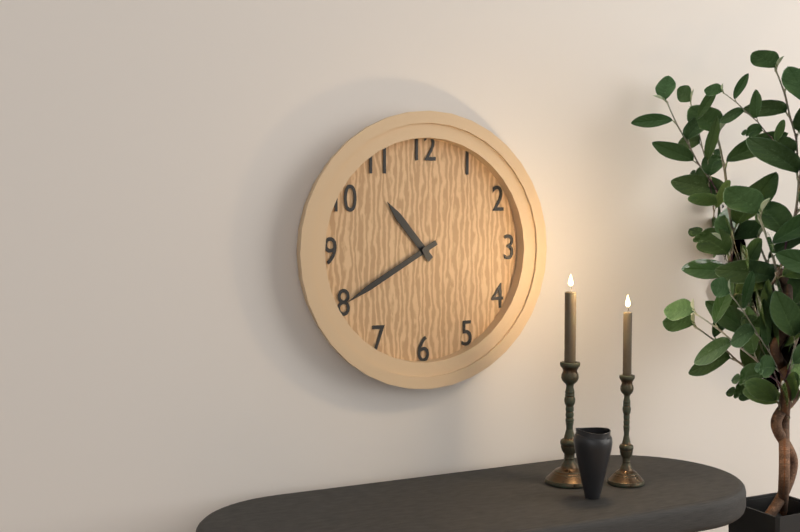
10:40
